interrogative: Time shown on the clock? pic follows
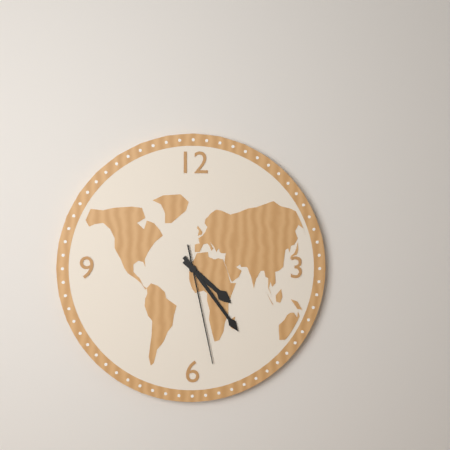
4:24:28
